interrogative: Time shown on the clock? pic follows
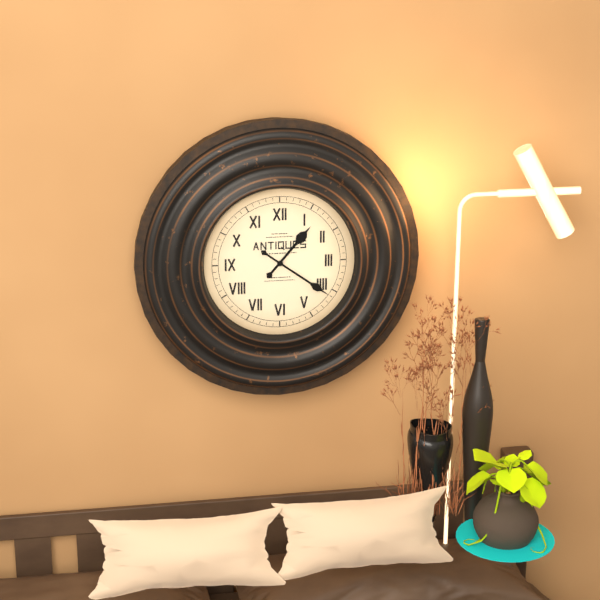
1:21
